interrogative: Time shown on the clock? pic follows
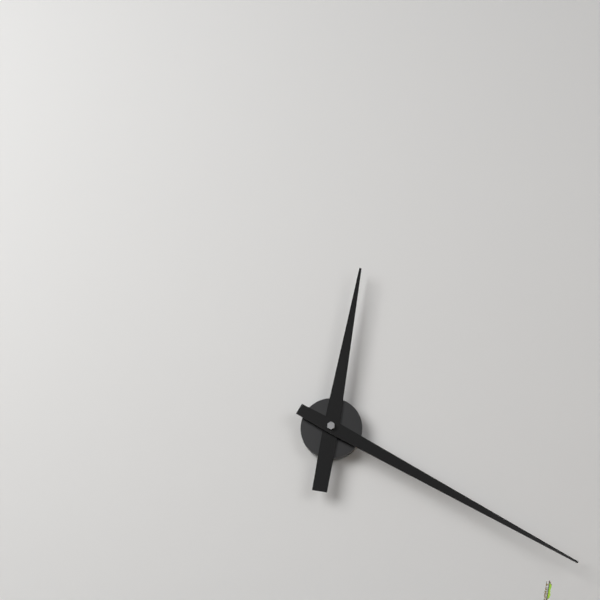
12:20
